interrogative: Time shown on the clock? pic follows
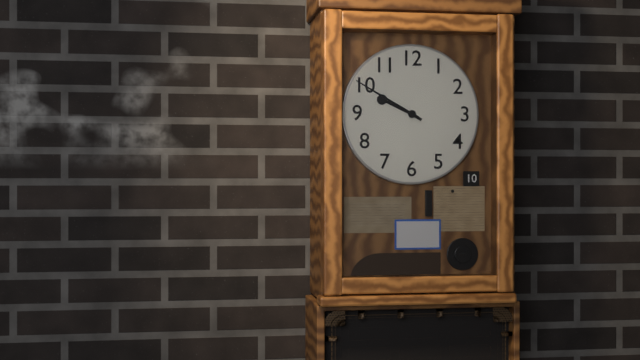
9:50
